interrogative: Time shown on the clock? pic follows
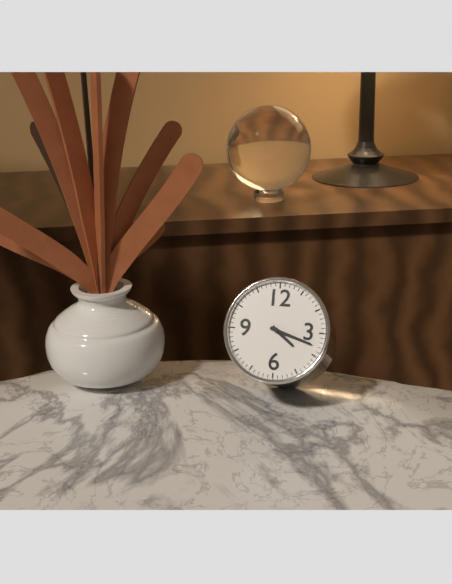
4:18
